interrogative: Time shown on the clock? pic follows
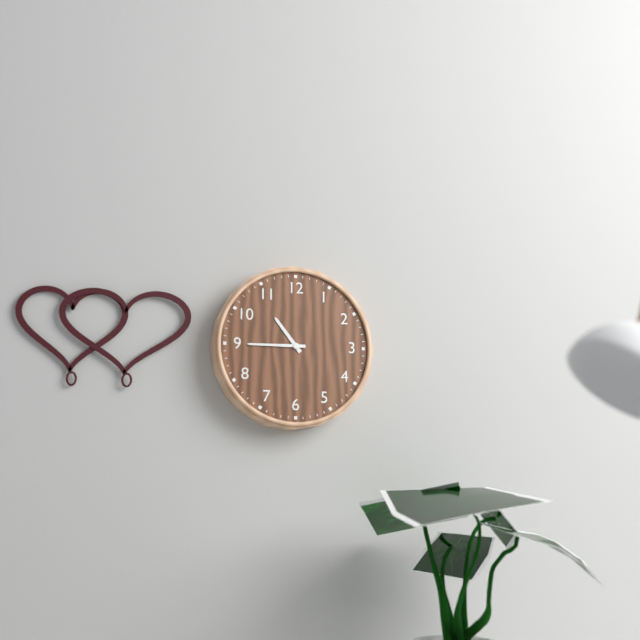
10:45
